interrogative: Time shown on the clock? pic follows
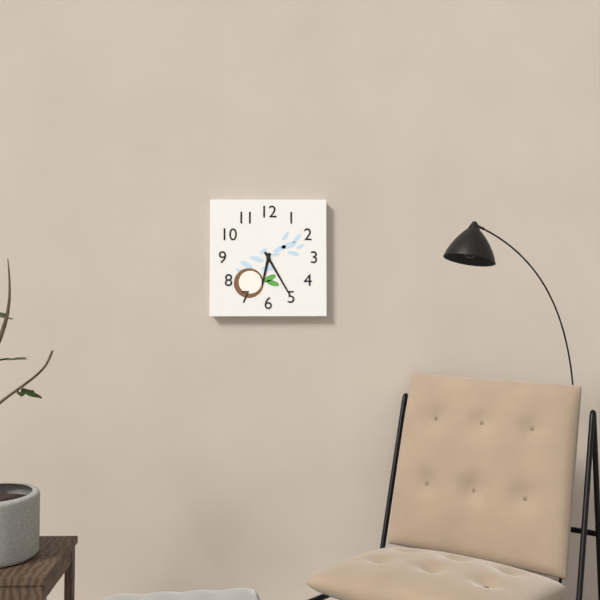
6:25
